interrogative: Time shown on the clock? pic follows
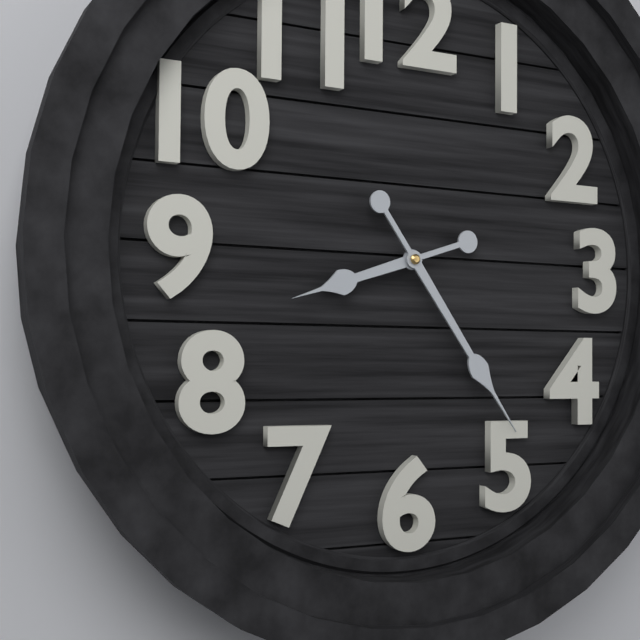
8:24
